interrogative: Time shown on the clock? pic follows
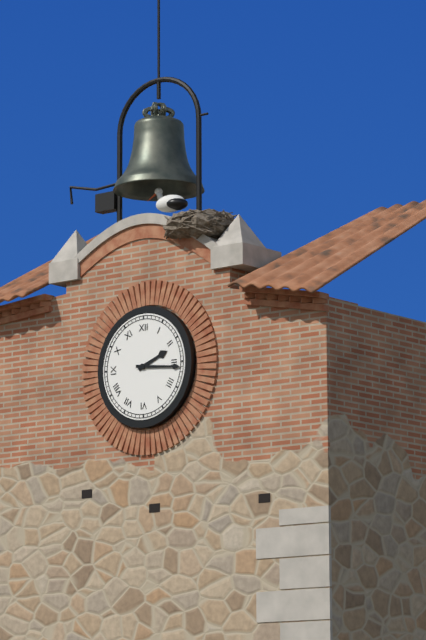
2:16
